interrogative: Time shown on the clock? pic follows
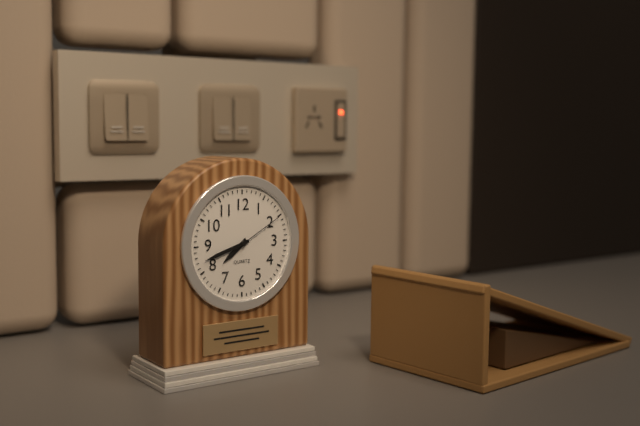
7:42:10
